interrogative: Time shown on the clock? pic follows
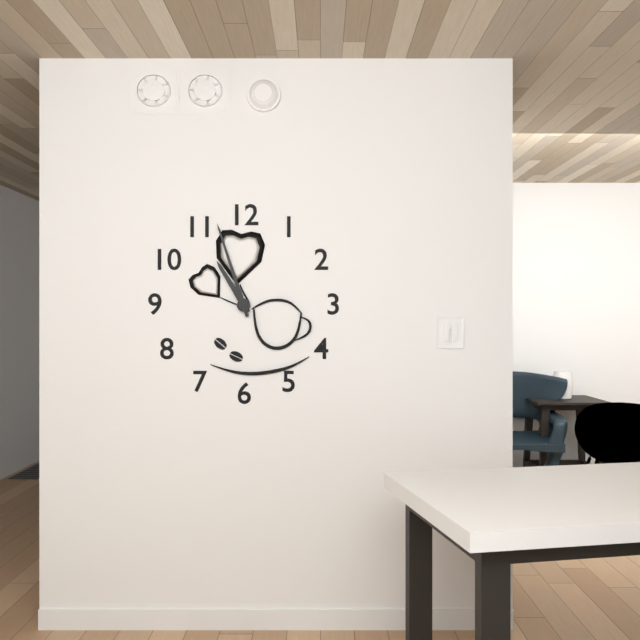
10:57
